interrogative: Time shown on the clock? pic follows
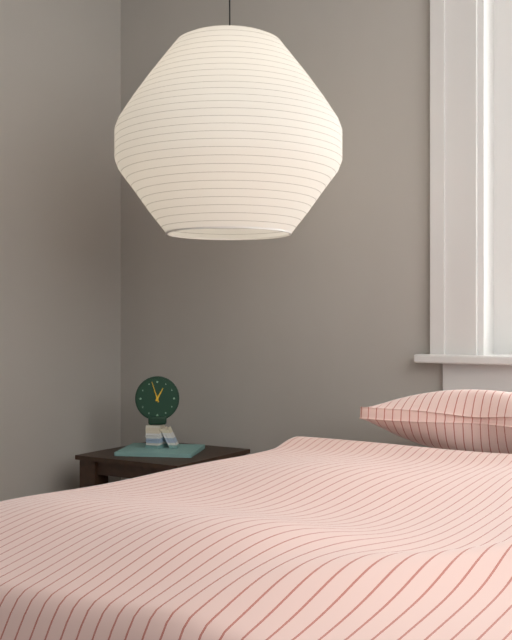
12:57
